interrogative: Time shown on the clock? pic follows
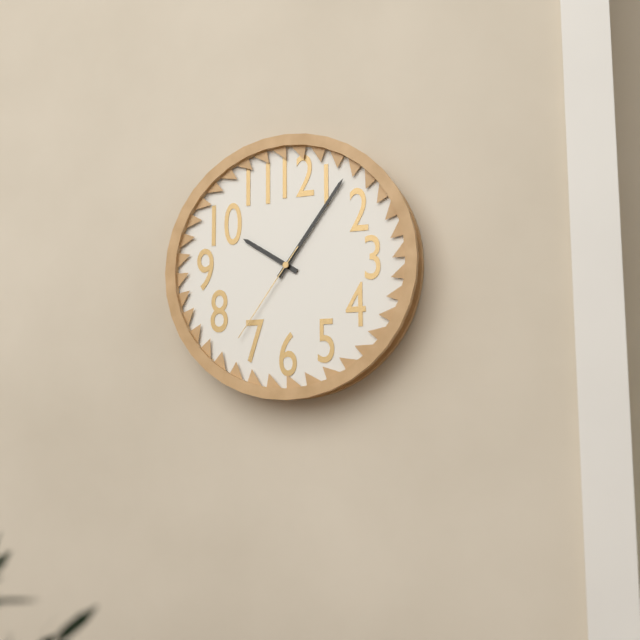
10:06:36
